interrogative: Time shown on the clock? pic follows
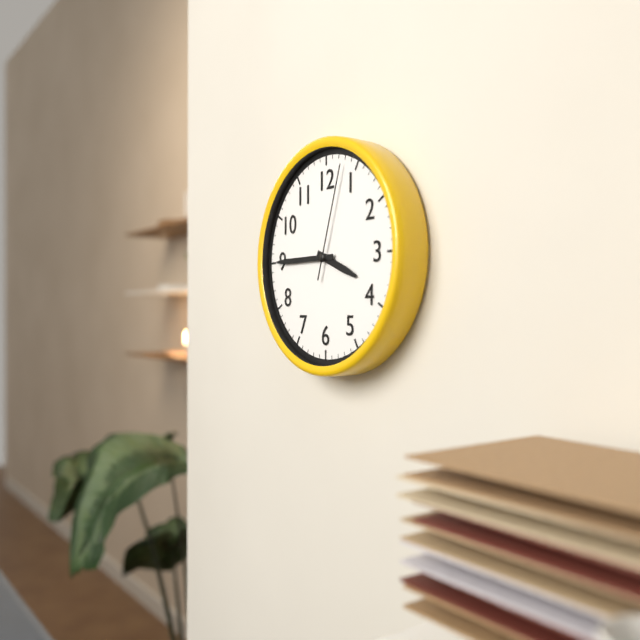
3:45:03
